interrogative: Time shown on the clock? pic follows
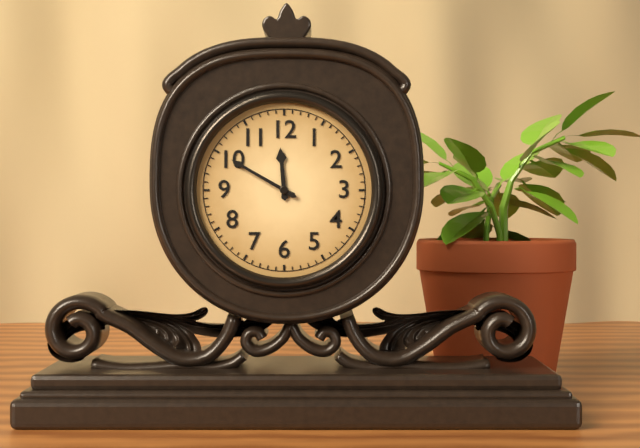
11:50
